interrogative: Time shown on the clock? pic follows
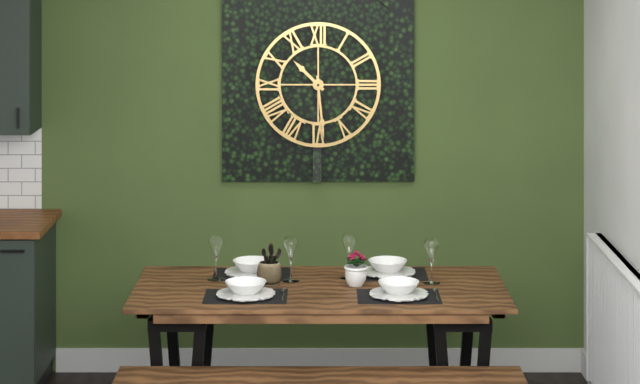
10:29
